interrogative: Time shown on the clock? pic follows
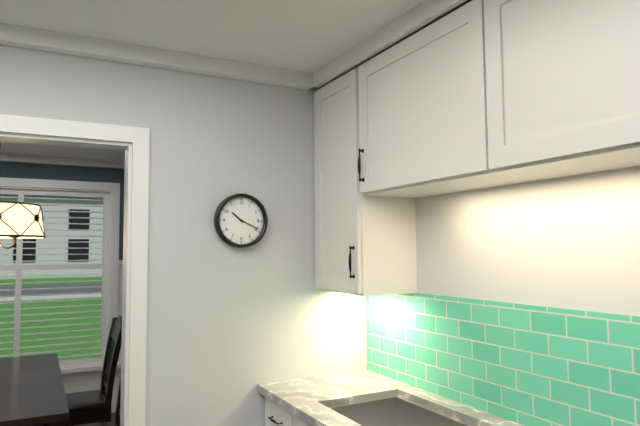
10:19
